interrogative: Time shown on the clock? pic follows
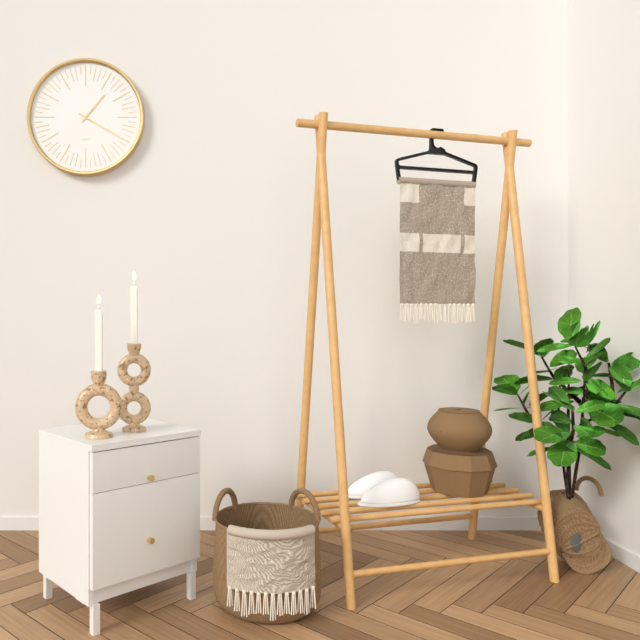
1:20
